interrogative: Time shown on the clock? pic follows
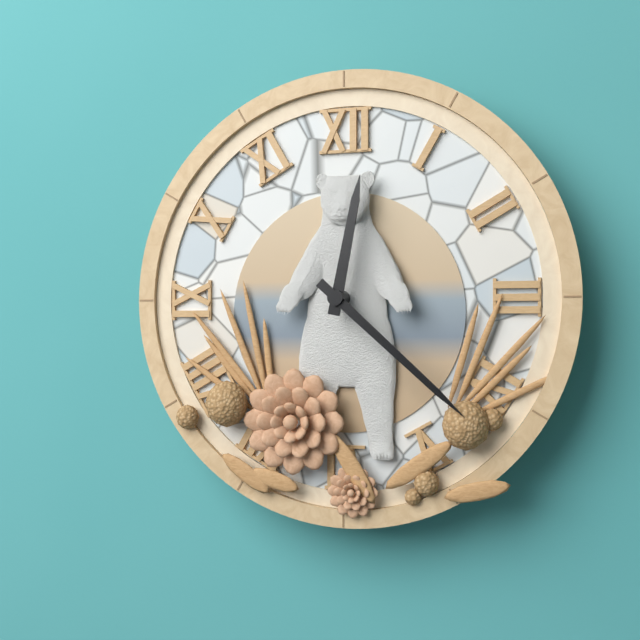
12:22
